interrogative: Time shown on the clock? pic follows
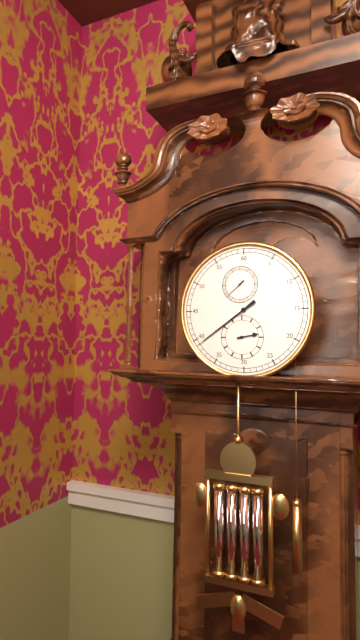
2:39
